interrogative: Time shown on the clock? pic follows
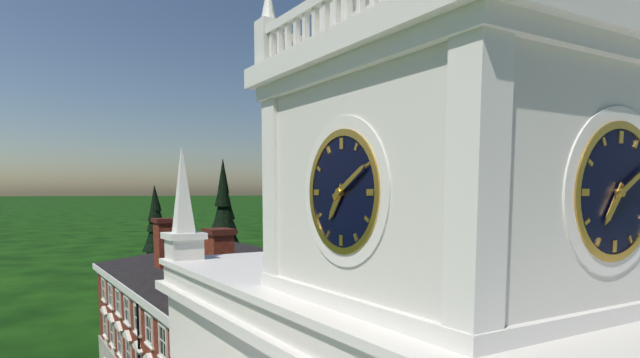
7:10
